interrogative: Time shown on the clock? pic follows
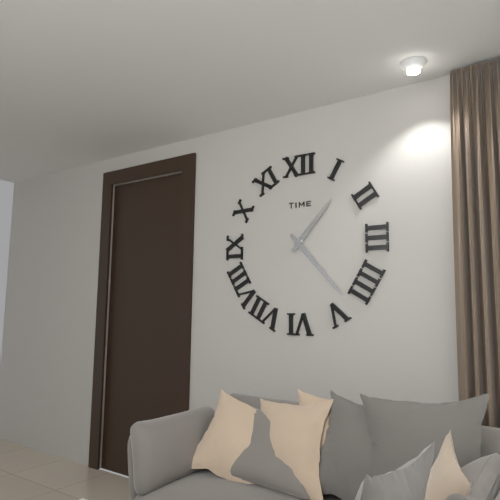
1:23
